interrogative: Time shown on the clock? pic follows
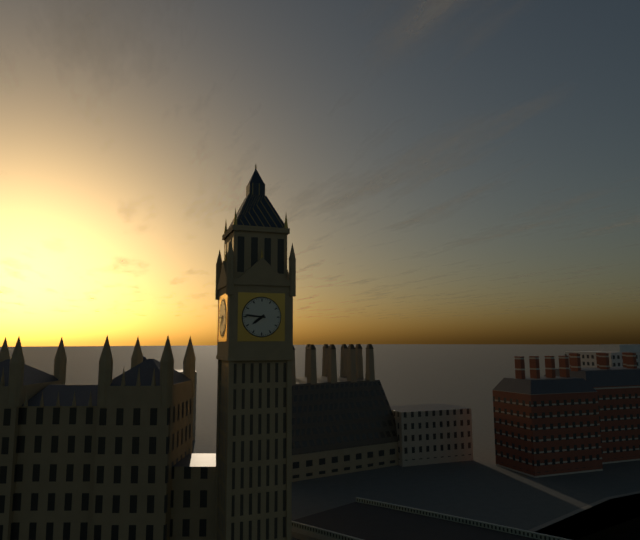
7:46
